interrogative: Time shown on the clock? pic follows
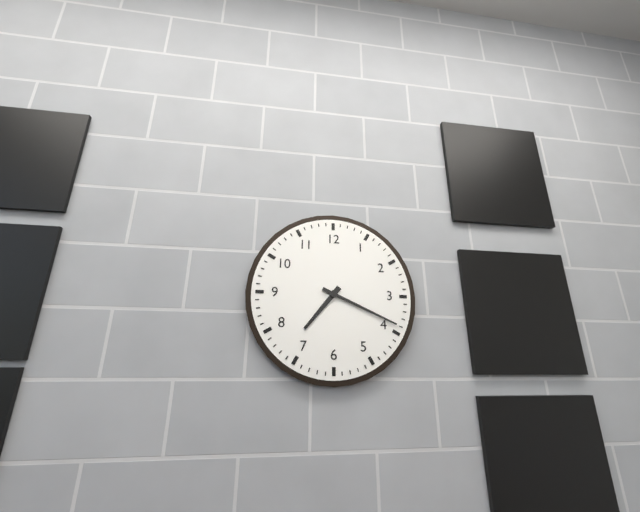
7:19
